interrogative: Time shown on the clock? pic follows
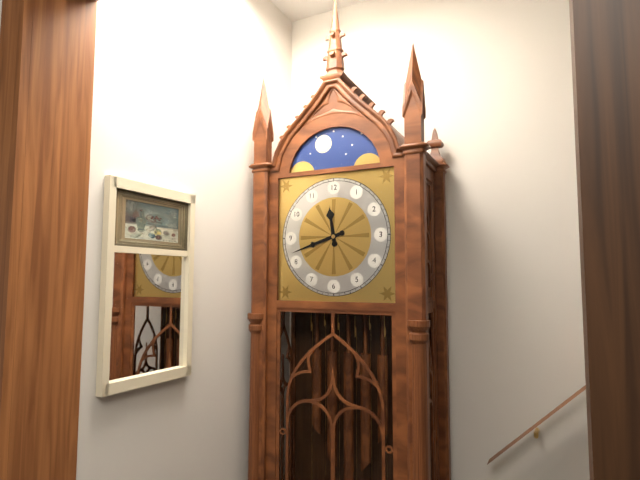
11:42
